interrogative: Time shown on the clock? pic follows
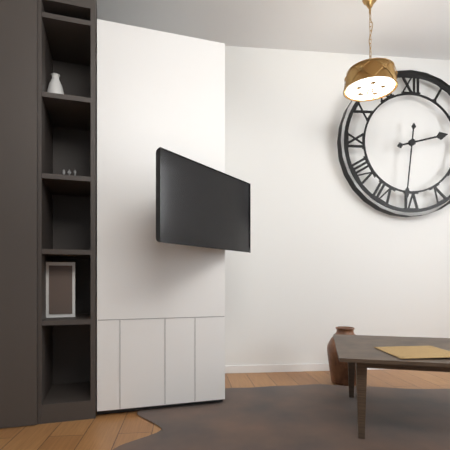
2:31
